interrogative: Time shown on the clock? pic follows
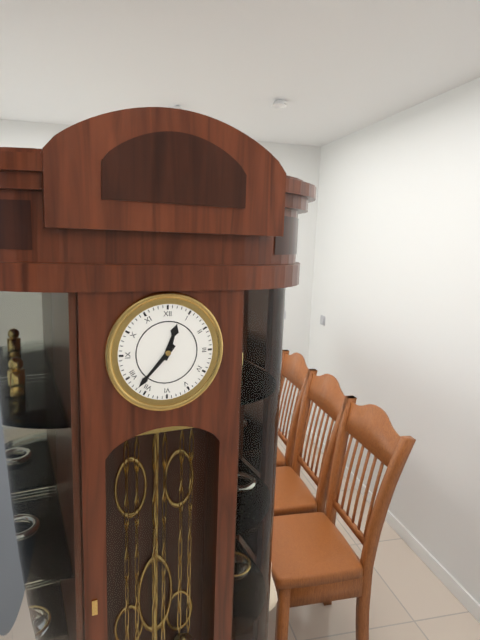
12:37
